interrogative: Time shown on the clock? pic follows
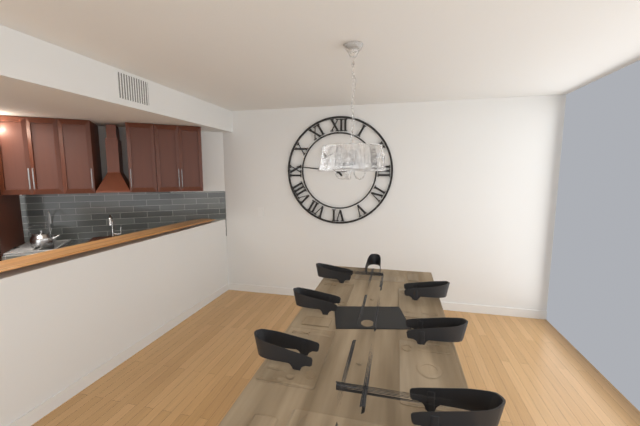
10:46
